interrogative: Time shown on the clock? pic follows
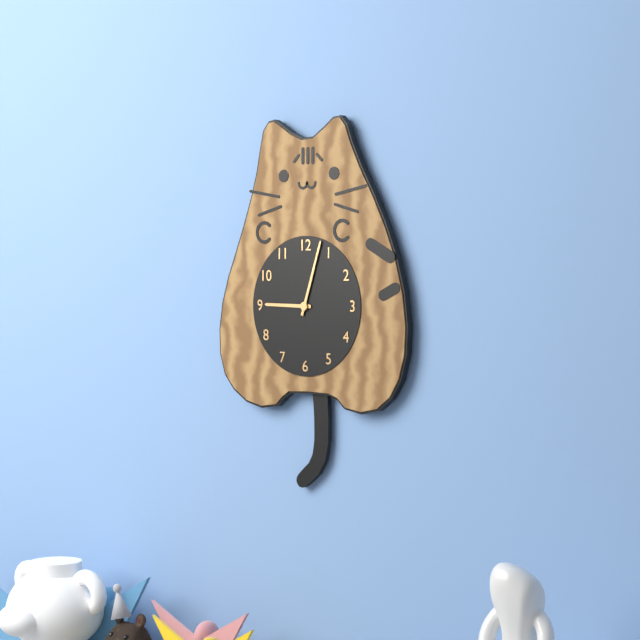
9:03
